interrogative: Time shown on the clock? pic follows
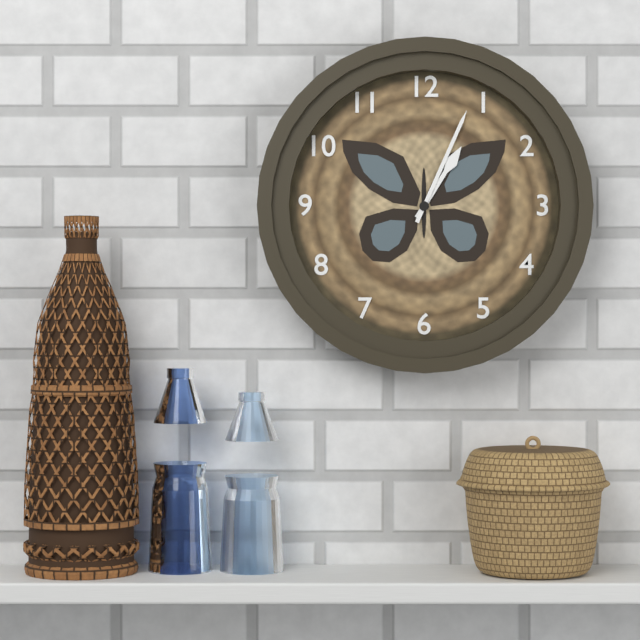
1:04
